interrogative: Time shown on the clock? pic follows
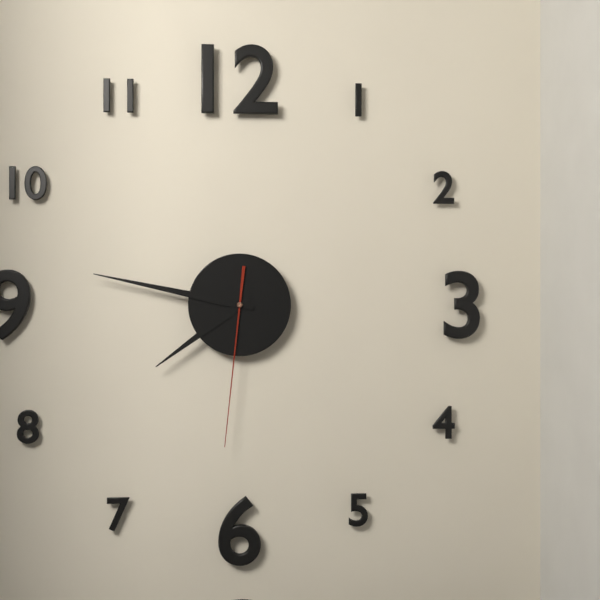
7:47:31
